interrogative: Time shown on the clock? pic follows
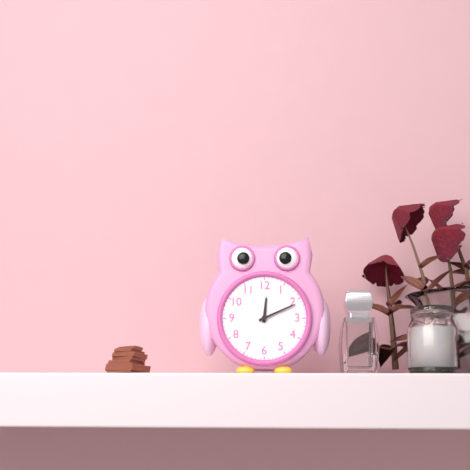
12:11
